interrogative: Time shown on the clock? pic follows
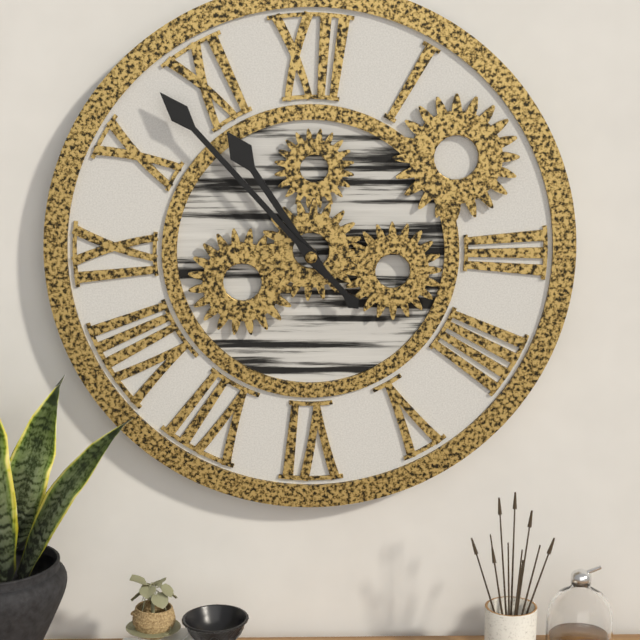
10:53
